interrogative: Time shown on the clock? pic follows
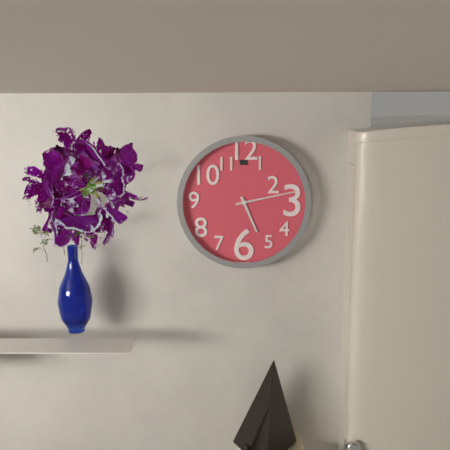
5:13
